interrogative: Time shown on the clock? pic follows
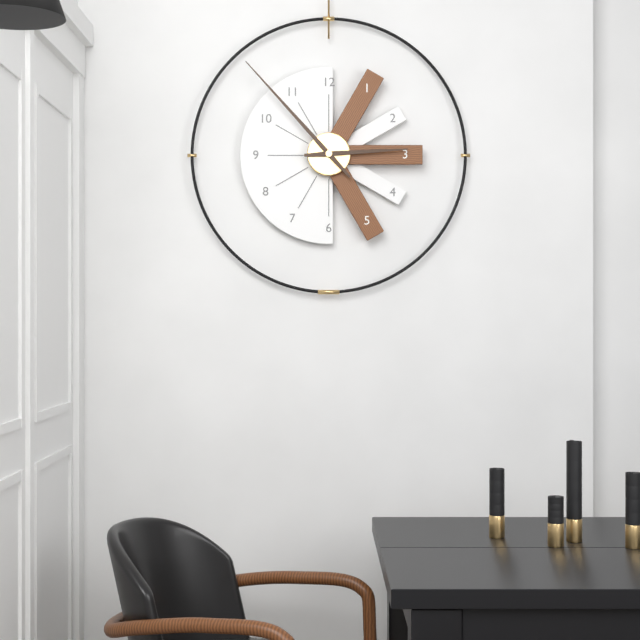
2:53
